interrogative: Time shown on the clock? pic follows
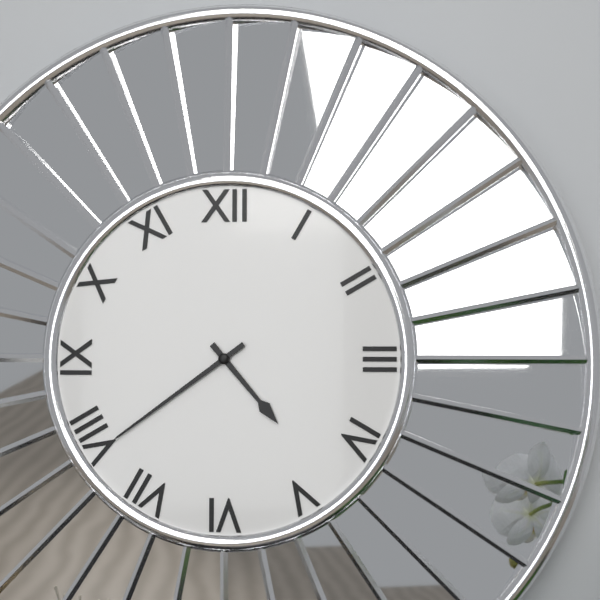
4:39
